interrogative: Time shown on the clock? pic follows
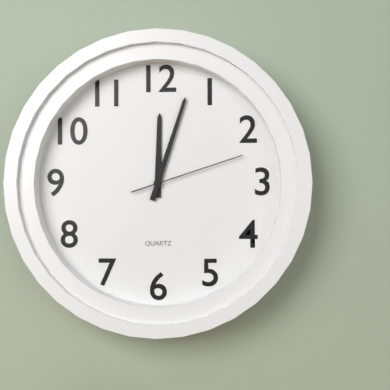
12:03:12
